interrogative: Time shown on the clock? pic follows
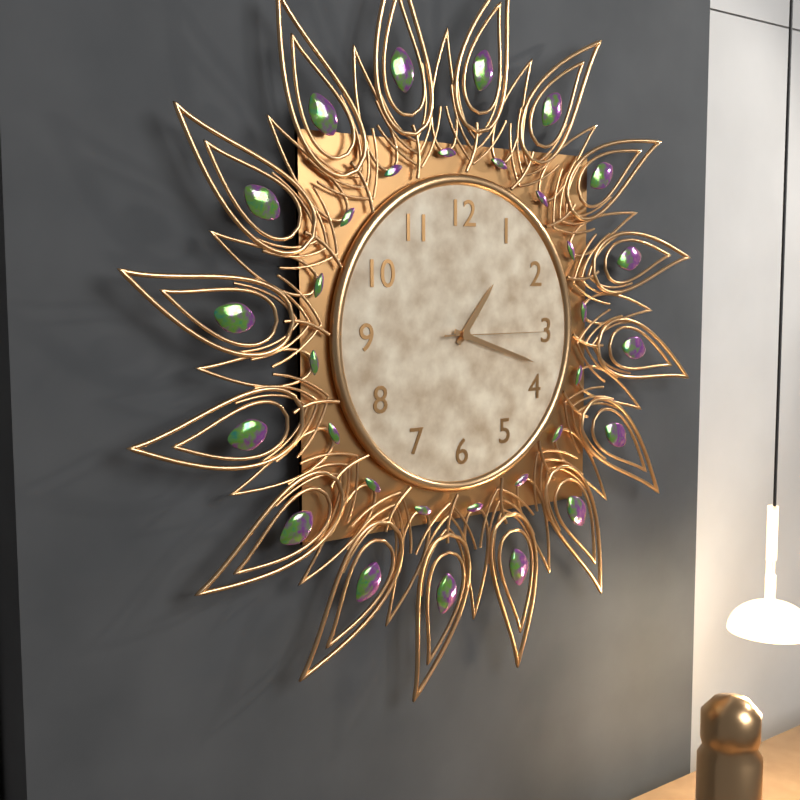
1:18:15
